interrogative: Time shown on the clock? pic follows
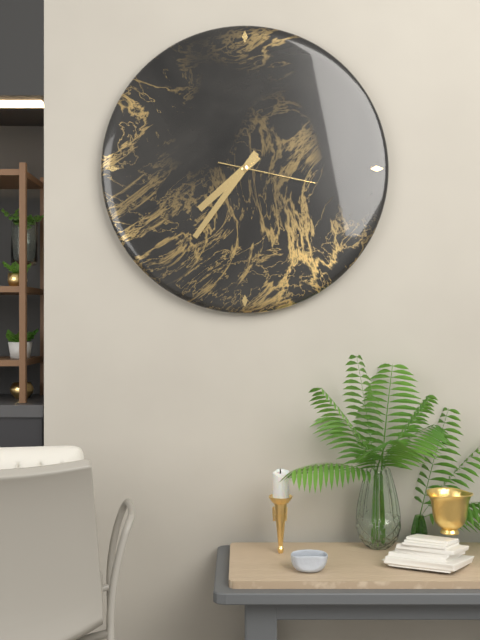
7:36:17
